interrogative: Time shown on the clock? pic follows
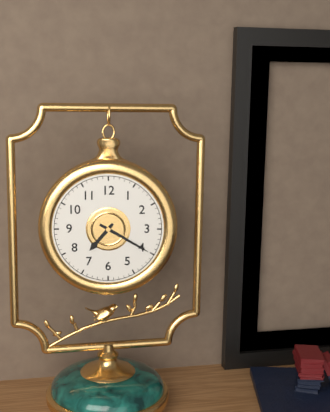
7:20
